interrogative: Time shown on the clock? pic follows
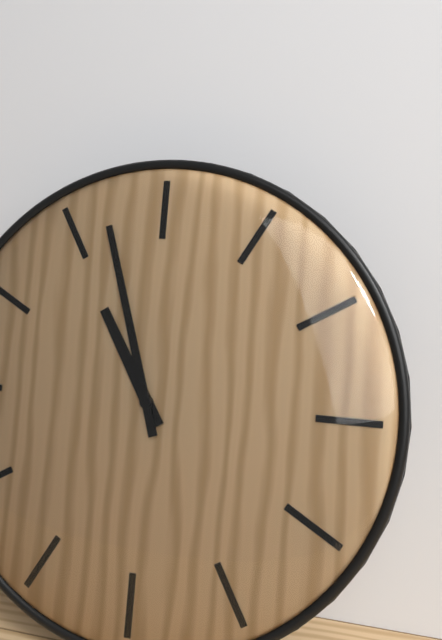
10:57
